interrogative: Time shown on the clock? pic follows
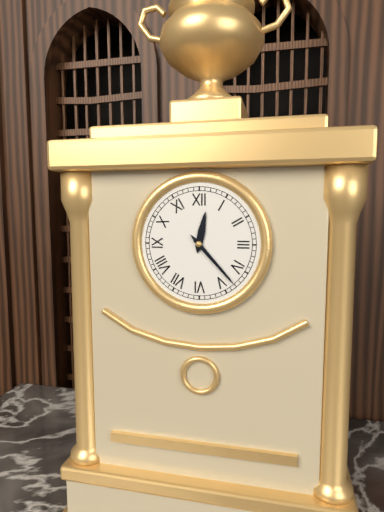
12:23
